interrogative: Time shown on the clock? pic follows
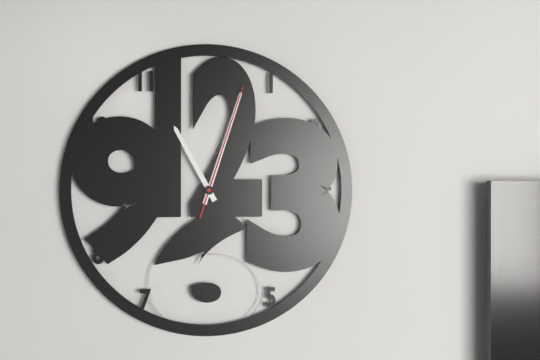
11:03:03
